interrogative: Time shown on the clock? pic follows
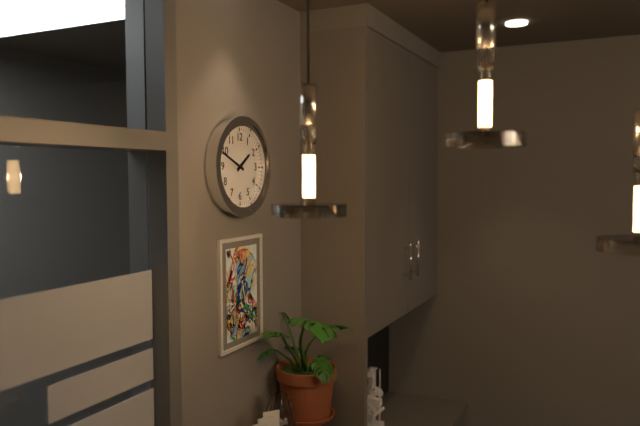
1:49
